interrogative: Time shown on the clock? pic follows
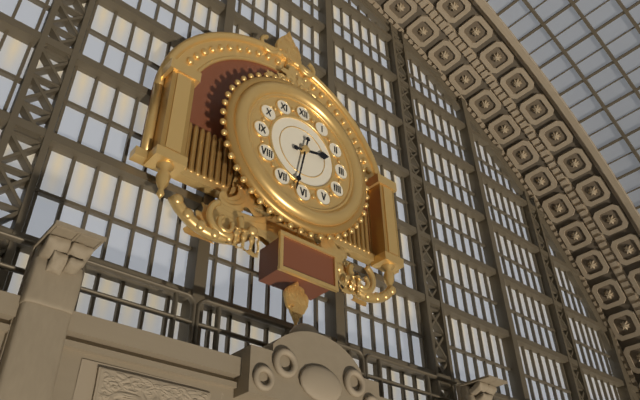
2:32
